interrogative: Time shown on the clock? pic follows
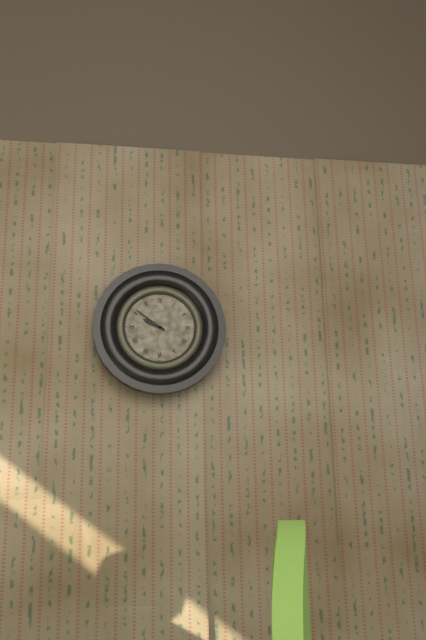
9:51
